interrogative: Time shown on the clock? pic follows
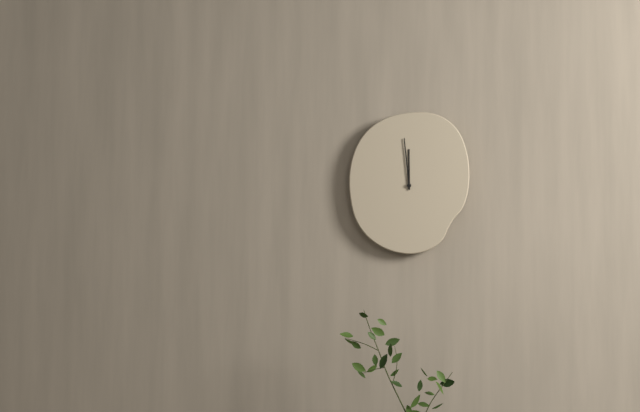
11:59
